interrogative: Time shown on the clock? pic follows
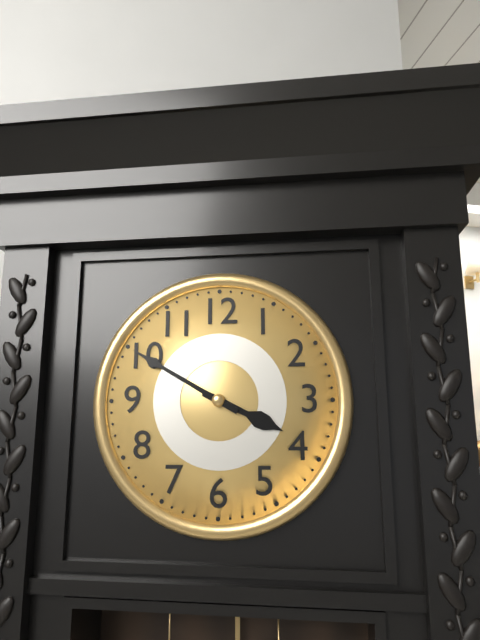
3:50
